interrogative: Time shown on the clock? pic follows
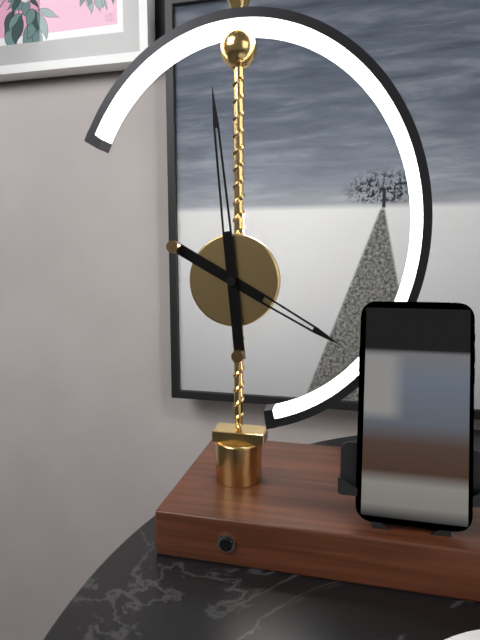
3:59
